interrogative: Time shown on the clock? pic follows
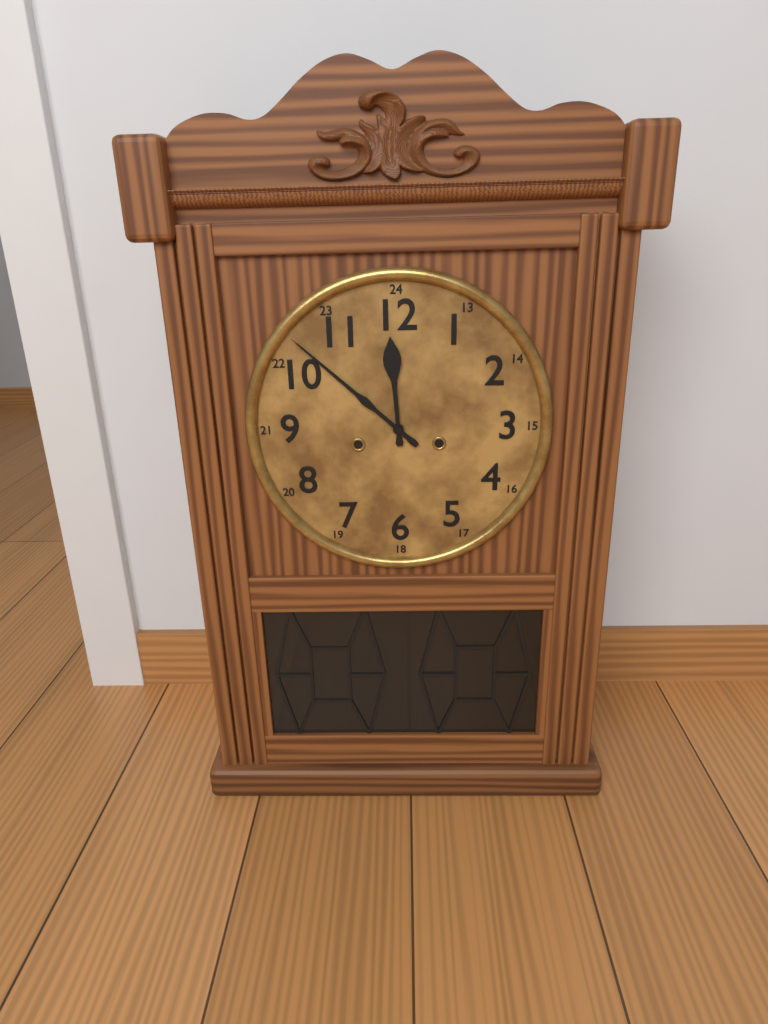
11:52
